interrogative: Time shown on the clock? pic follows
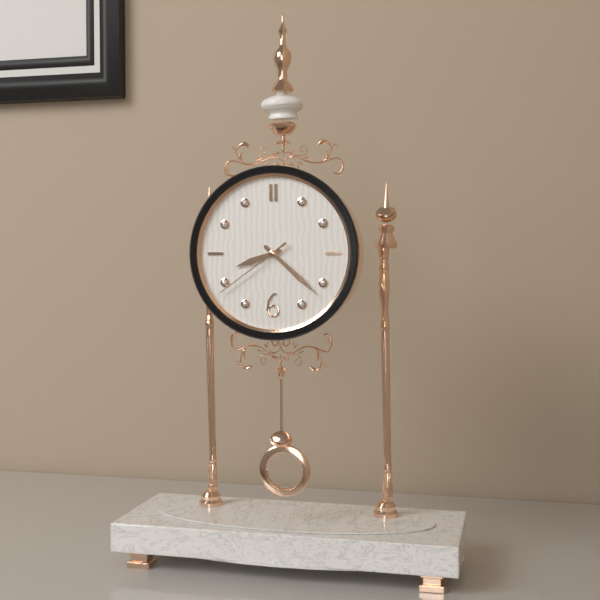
8:22:39
